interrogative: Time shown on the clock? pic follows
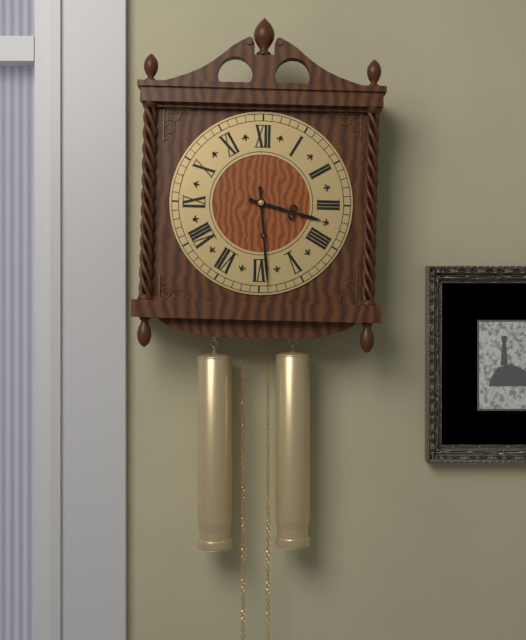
3:29
